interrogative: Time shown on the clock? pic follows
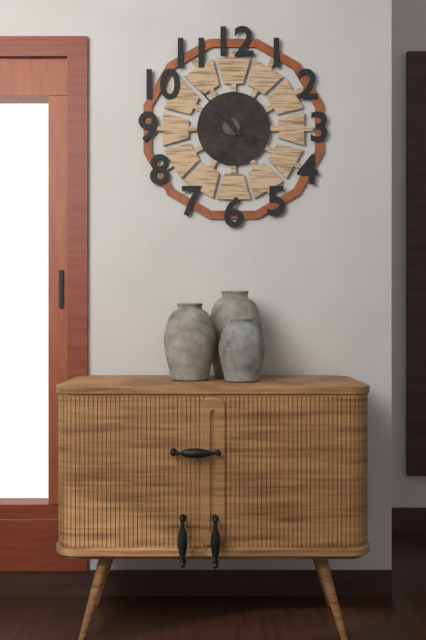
10:53
